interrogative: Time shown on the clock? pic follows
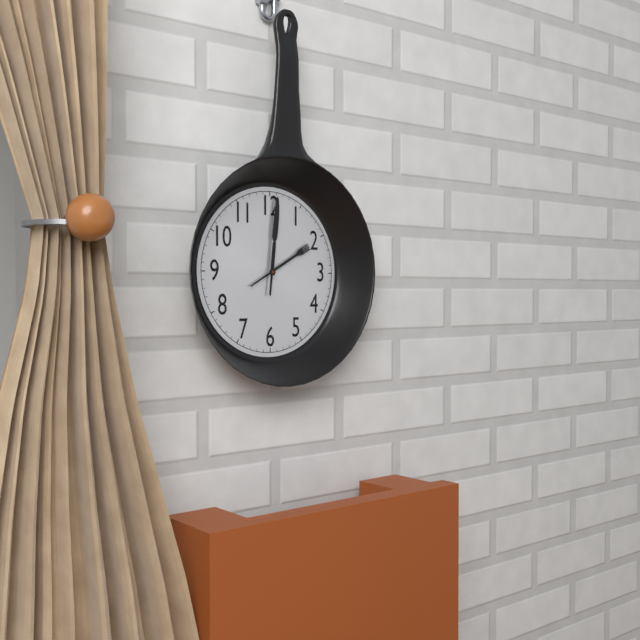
2:01
